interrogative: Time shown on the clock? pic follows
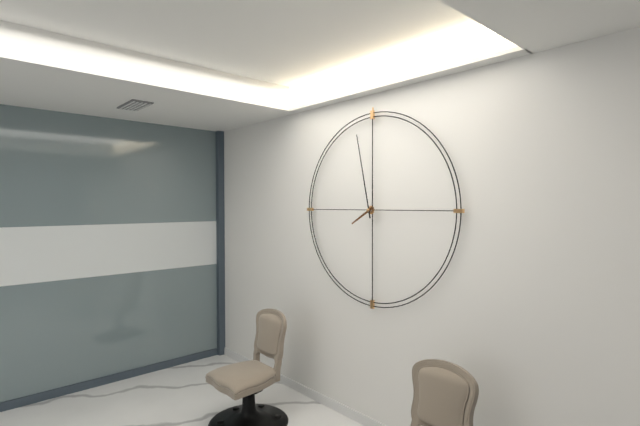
7:58
